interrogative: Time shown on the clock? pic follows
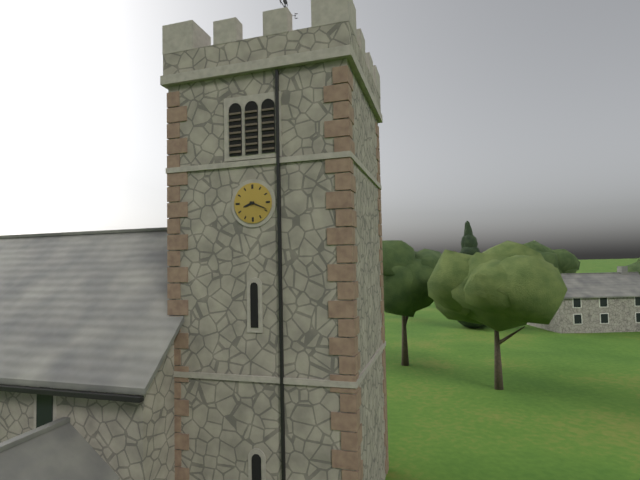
8:19
